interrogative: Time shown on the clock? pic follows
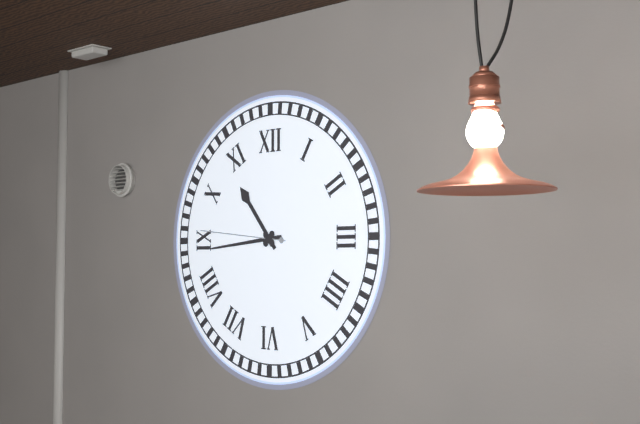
10:44:46
